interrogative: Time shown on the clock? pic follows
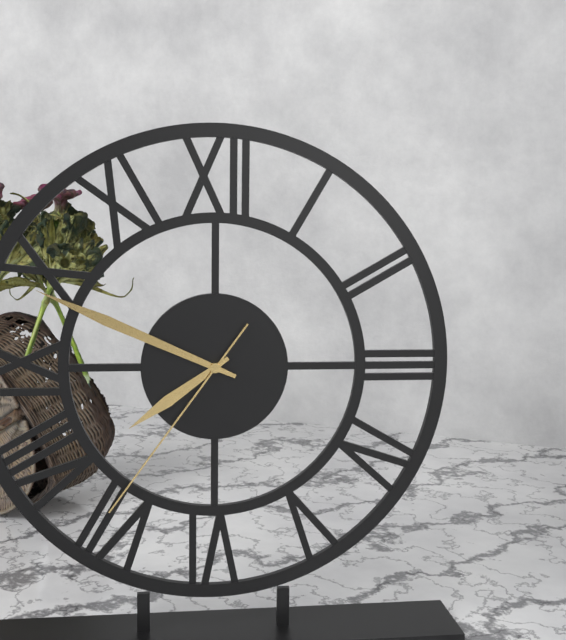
7:49:36
